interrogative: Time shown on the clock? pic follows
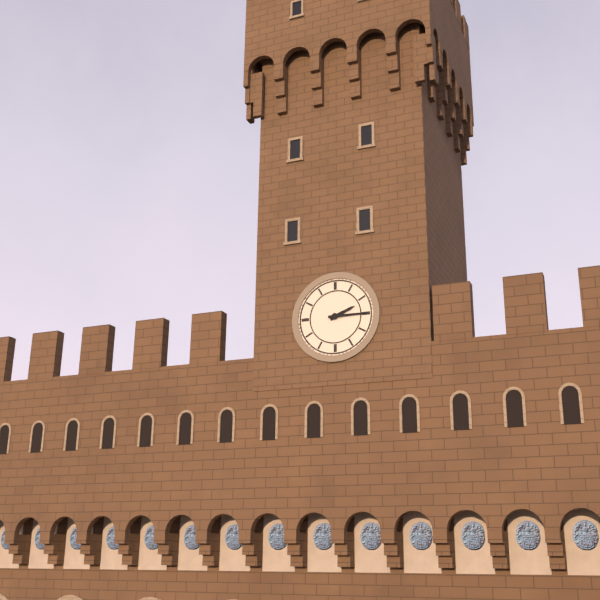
2:15
